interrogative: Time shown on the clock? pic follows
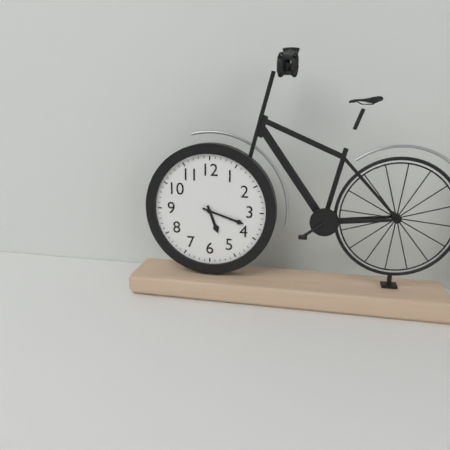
5:18
